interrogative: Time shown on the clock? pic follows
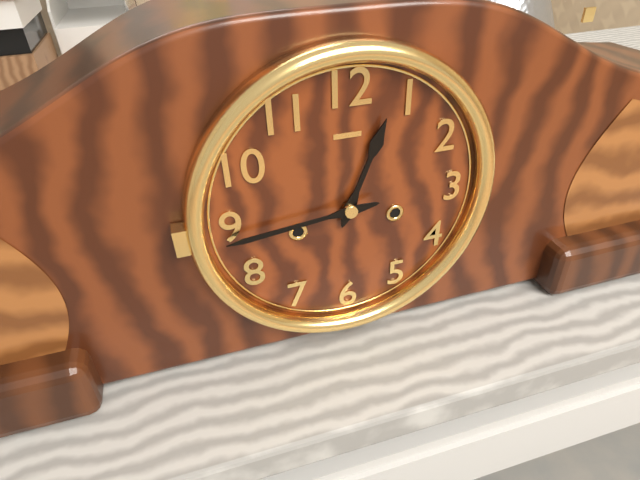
12:44
